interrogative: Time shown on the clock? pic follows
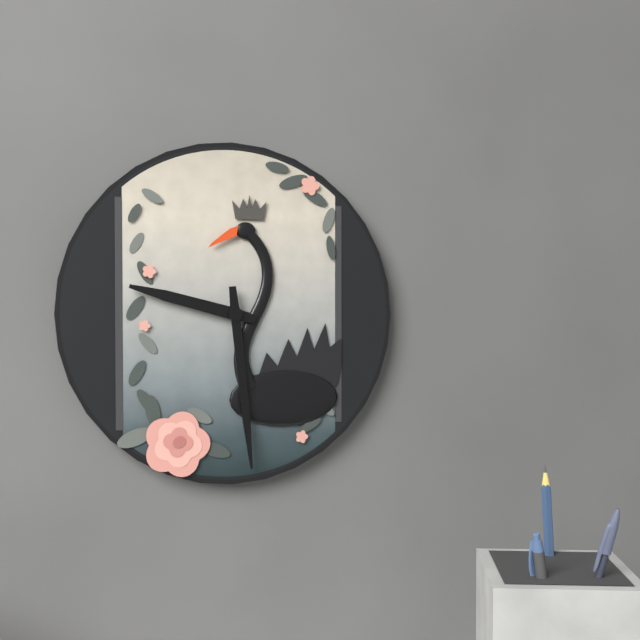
9:29
